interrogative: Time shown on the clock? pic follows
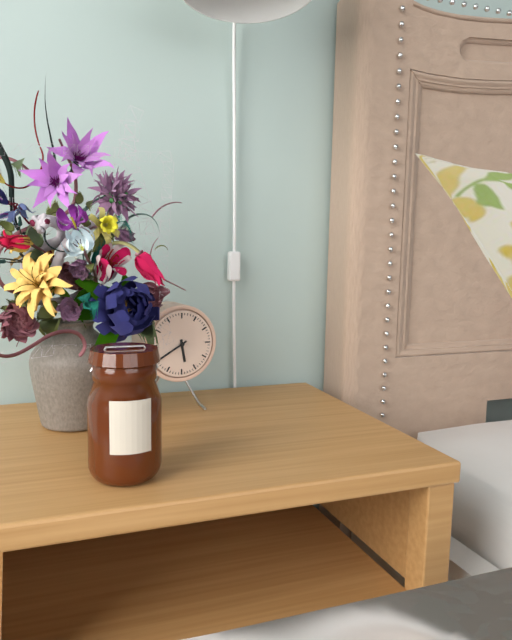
5:40
